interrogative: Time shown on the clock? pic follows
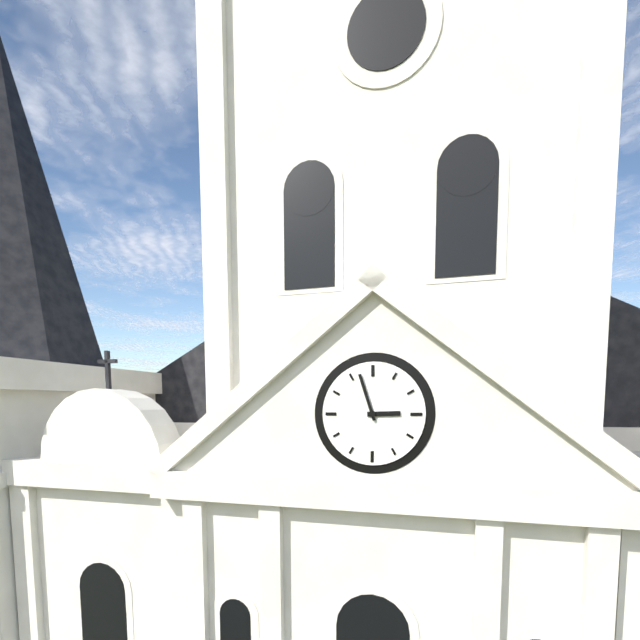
2:57
